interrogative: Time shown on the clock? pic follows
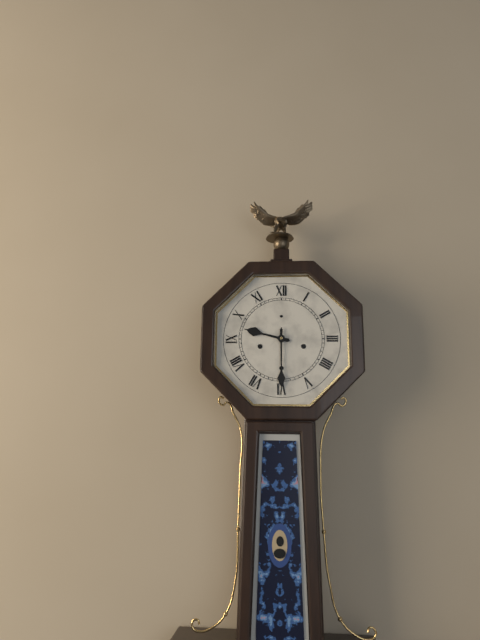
9:30
